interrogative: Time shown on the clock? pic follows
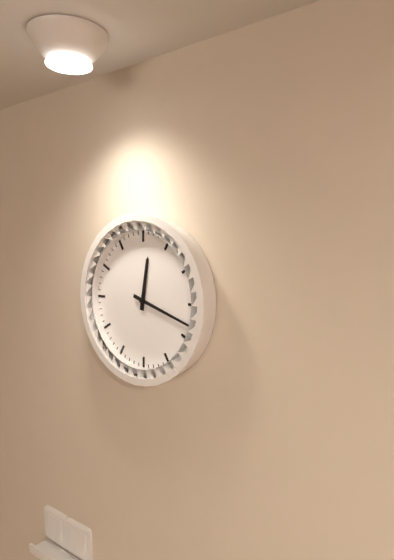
12:18
